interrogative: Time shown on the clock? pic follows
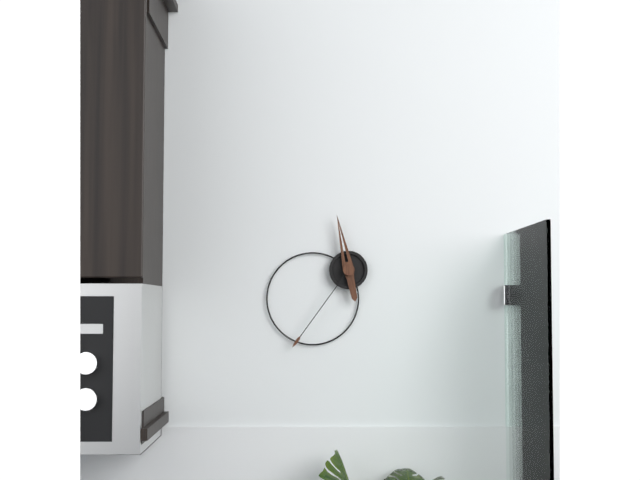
11:36
